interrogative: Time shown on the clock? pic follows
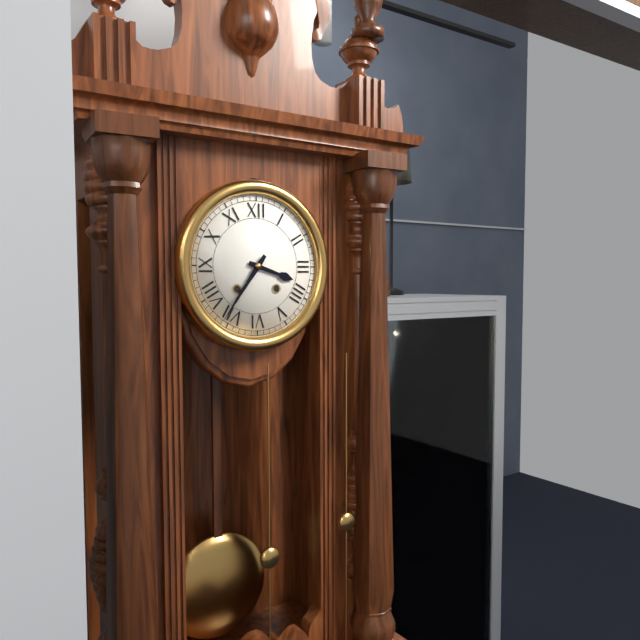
3:36
